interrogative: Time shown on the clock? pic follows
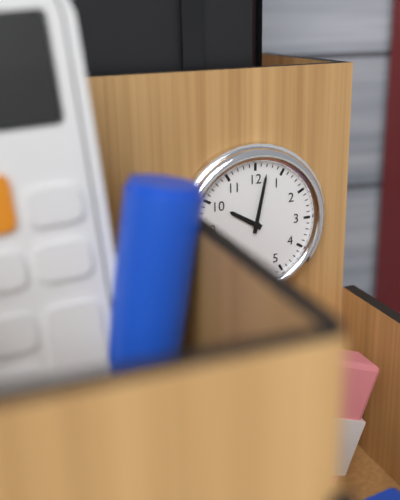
10:02
